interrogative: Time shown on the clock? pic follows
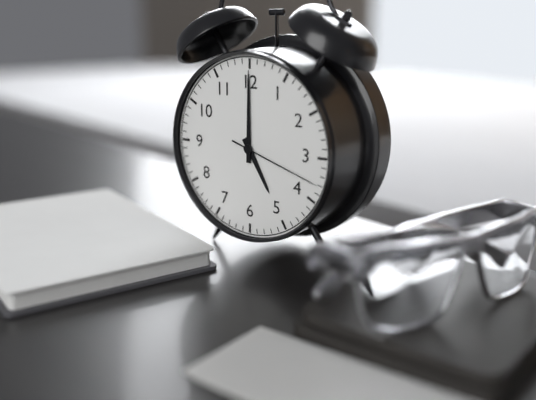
5:00:18
